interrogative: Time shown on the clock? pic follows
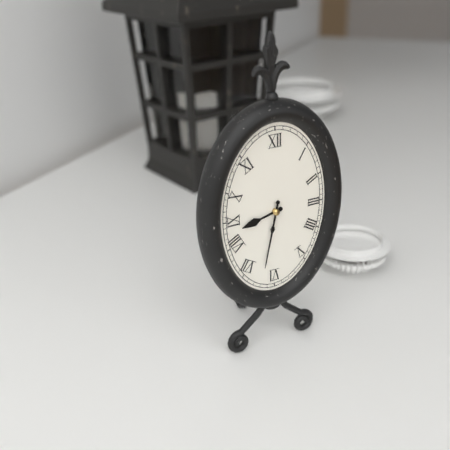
8:32
